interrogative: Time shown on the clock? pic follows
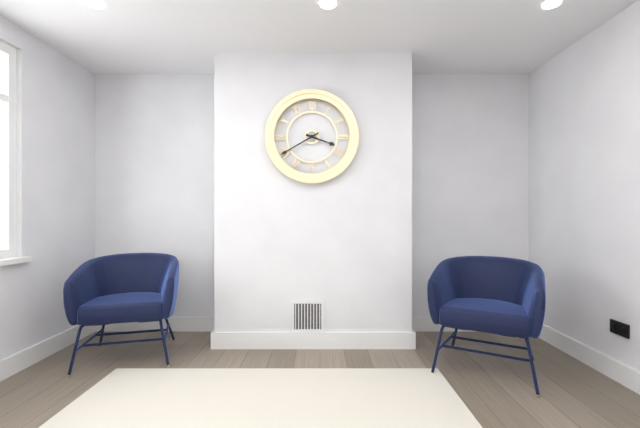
3:40
